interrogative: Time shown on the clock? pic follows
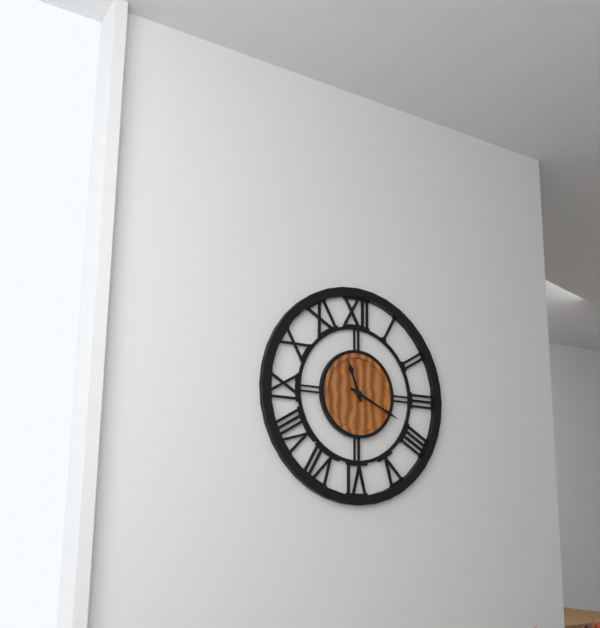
11:19
